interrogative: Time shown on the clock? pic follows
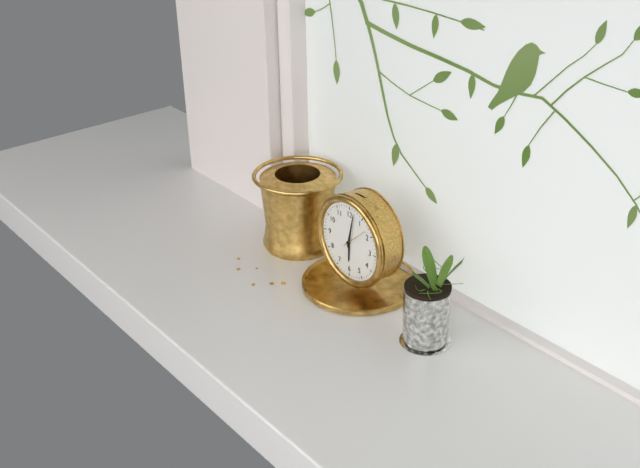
6:02
